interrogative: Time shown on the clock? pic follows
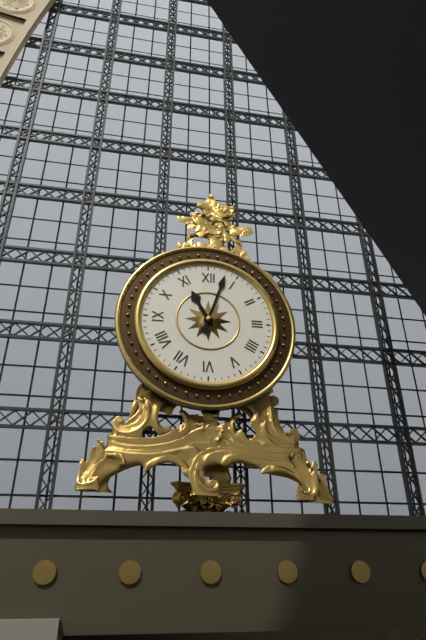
11:03
